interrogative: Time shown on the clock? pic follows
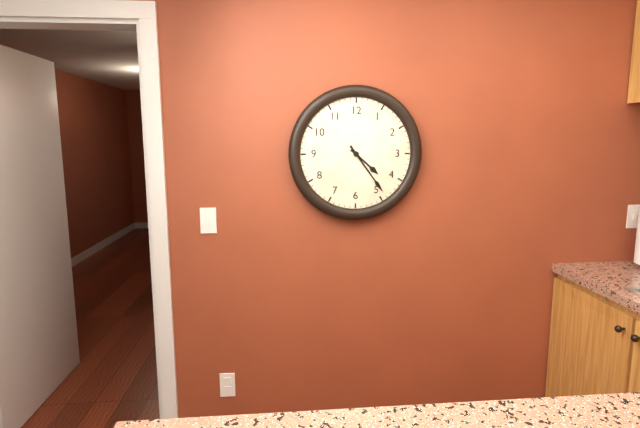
4:24
